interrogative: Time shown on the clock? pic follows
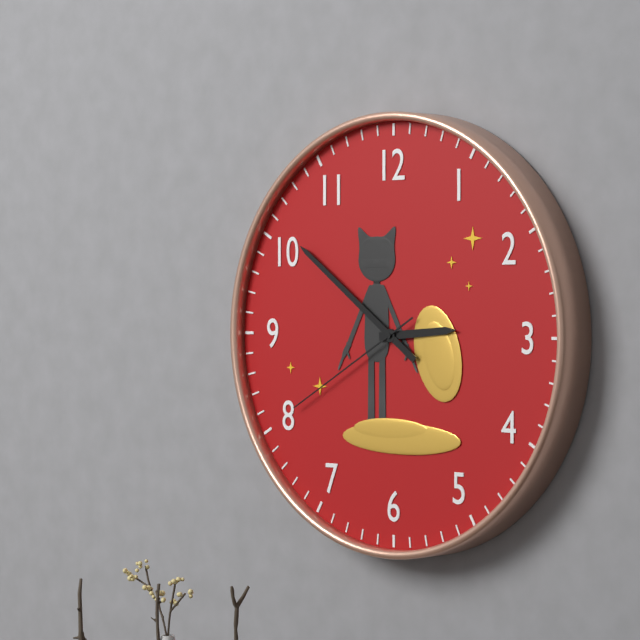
2:51:40
